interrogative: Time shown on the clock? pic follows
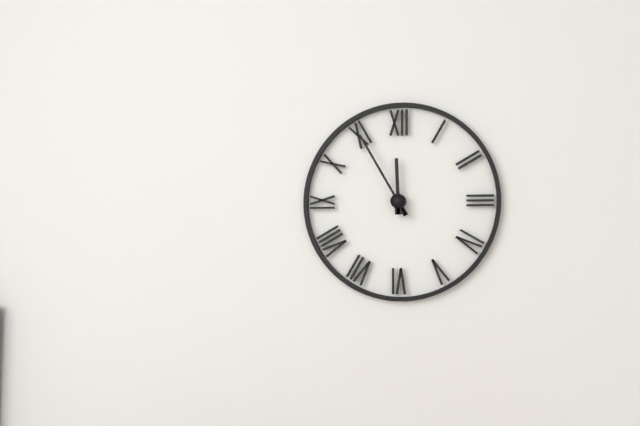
11:55
